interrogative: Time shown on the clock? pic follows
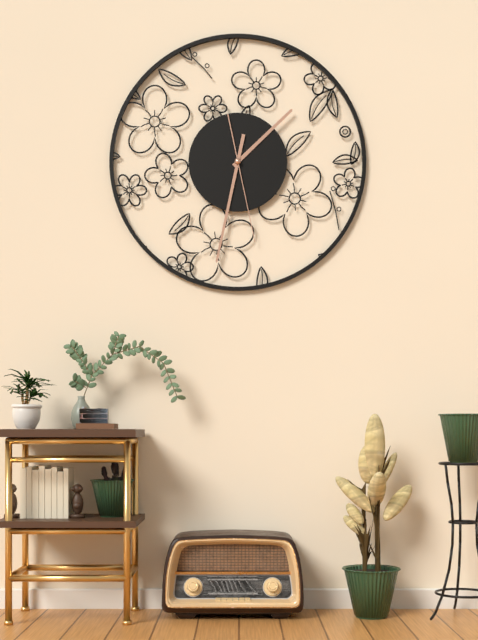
1:32:28
